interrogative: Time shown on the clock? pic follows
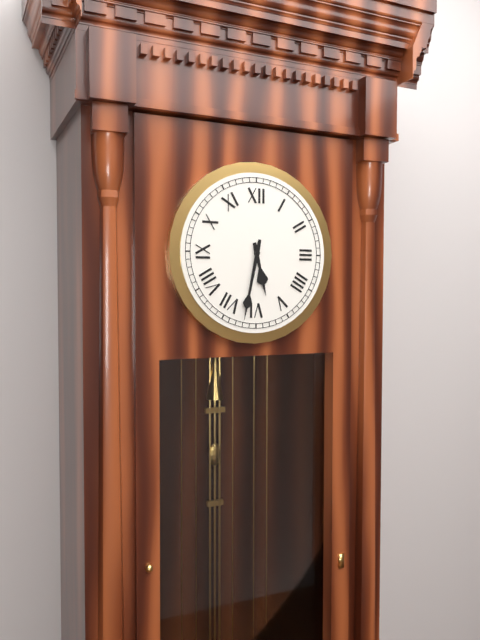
5:32
